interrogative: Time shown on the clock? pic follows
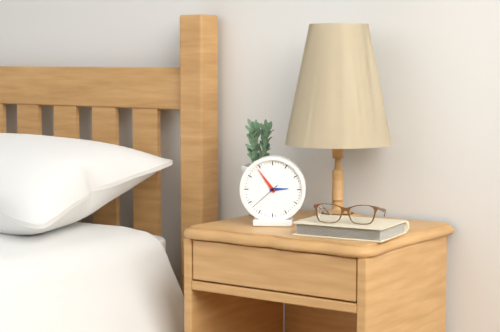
2:54
